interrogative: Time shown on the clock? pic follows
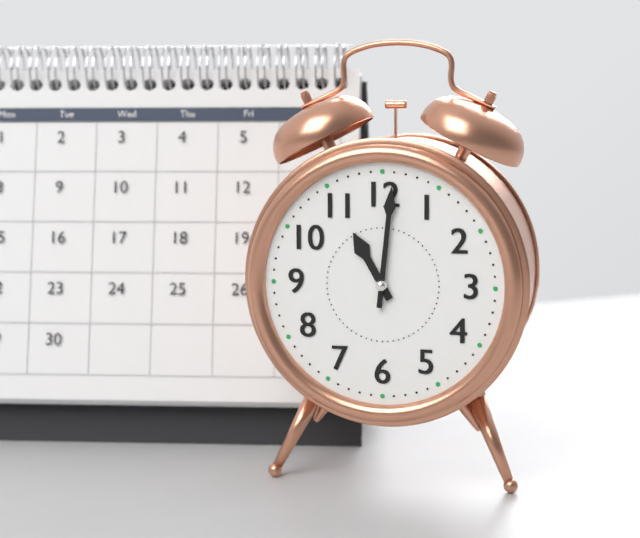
11:01
